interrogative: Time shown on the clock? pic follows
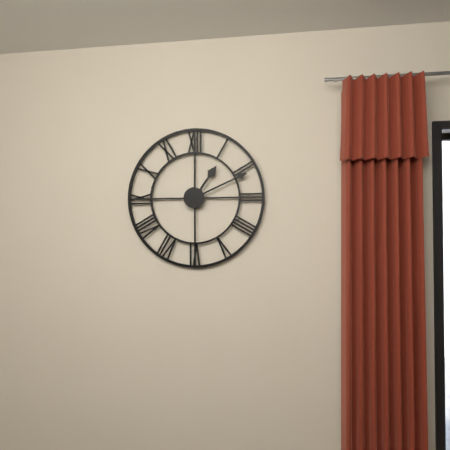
1:11
